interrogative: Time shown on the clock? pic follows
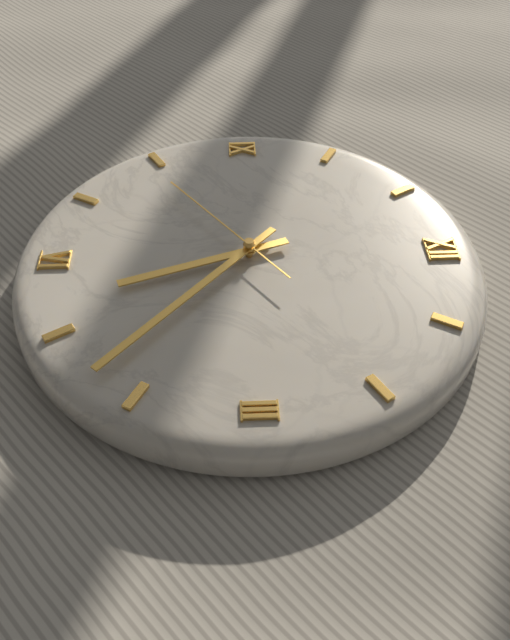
5:22:39
